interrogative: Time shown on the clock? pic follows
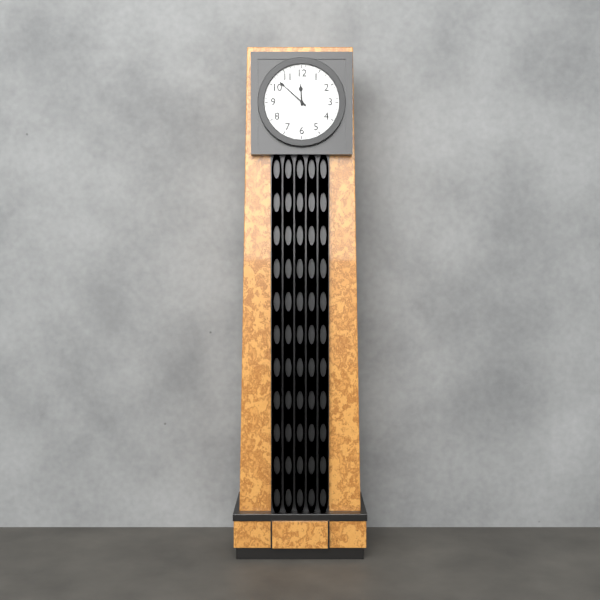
11:52
